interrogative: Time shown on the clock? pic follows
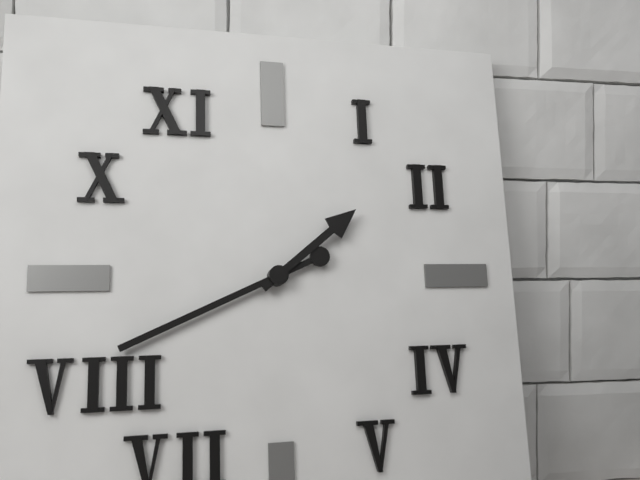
1:41
